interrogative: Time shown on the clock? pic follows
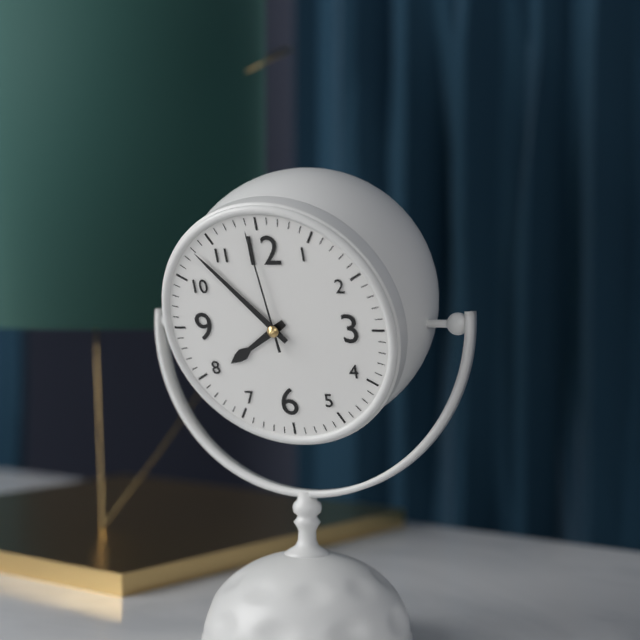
7:53:59
